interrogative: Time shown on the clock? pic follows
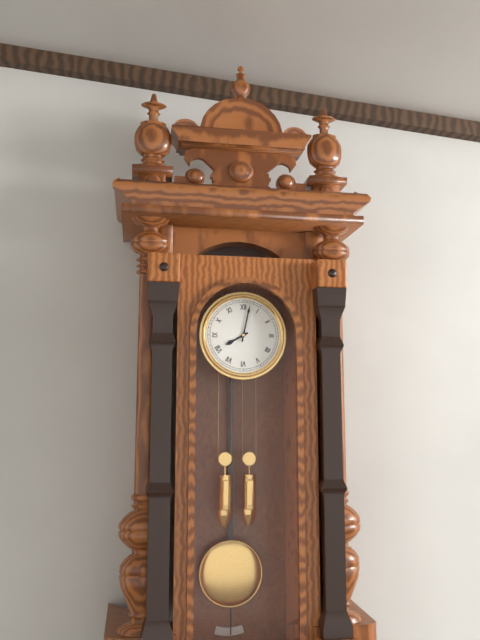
8:02
